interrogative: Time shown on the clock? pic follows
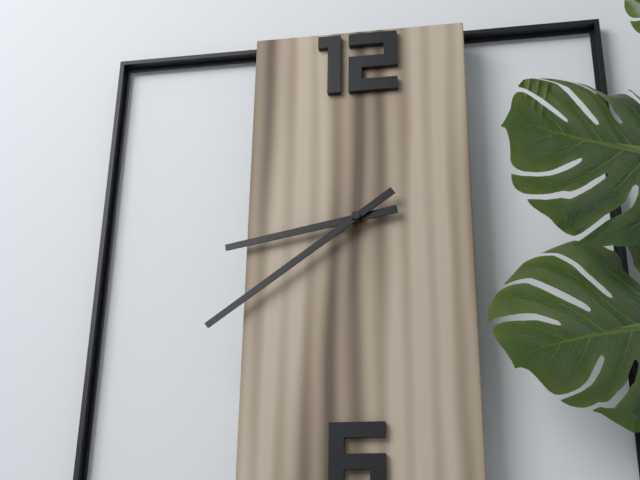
8:39
